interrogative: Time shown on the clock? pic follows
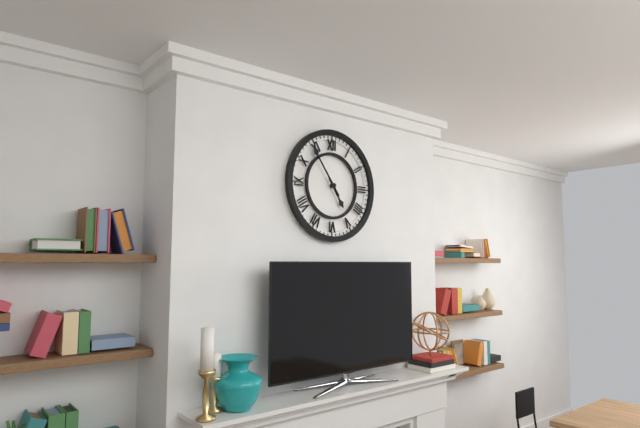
4:54
